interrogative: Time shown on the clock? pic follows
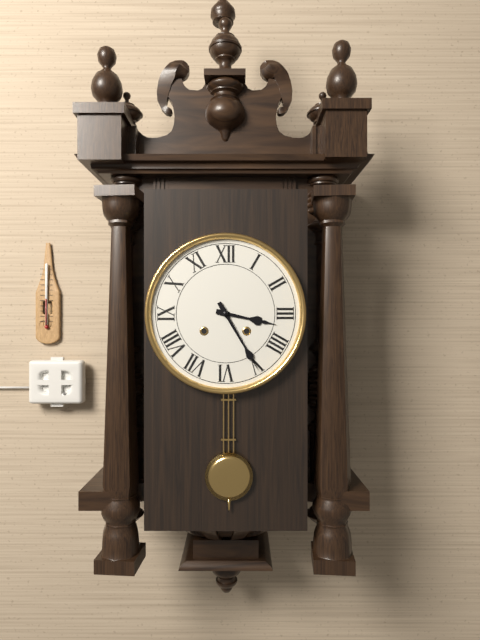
3:25
